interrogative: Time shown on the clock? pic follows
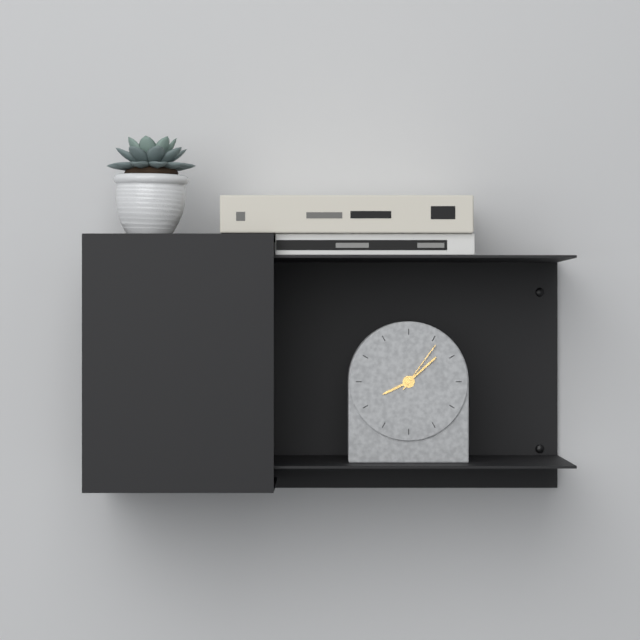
8:08:06
